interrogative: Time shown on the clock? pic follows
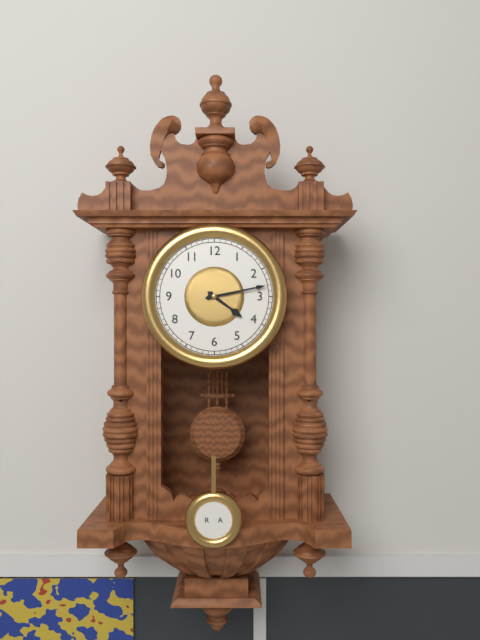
4:13
